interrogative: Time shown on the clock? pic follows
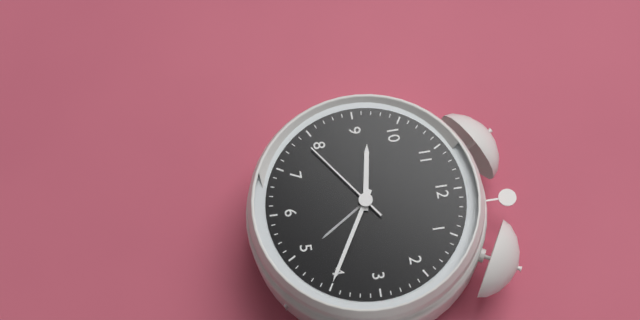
9:20:39
